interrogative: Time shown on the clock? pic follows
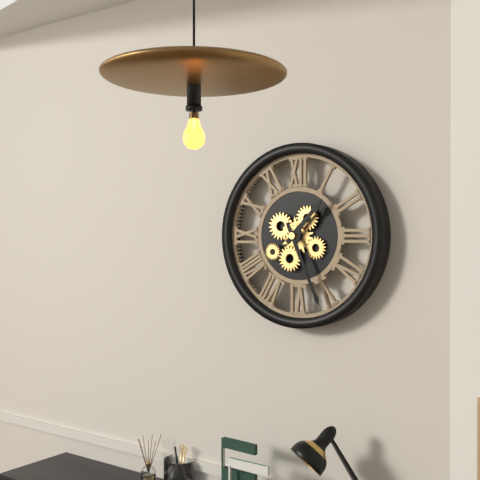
1:26
